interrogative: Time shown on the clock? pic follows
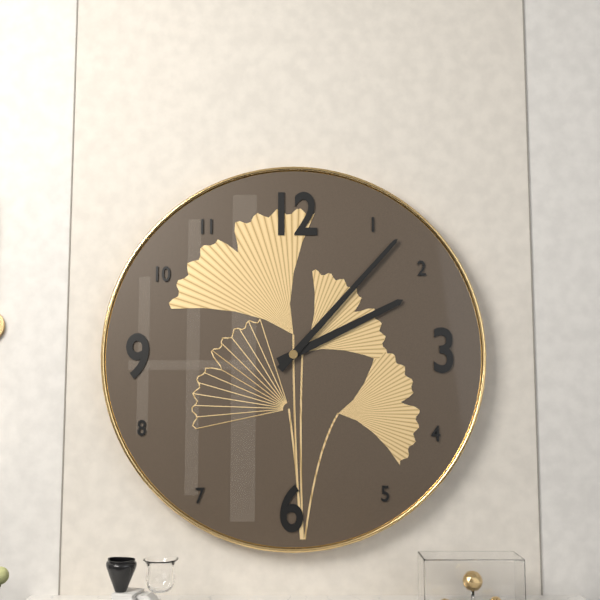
2:07
